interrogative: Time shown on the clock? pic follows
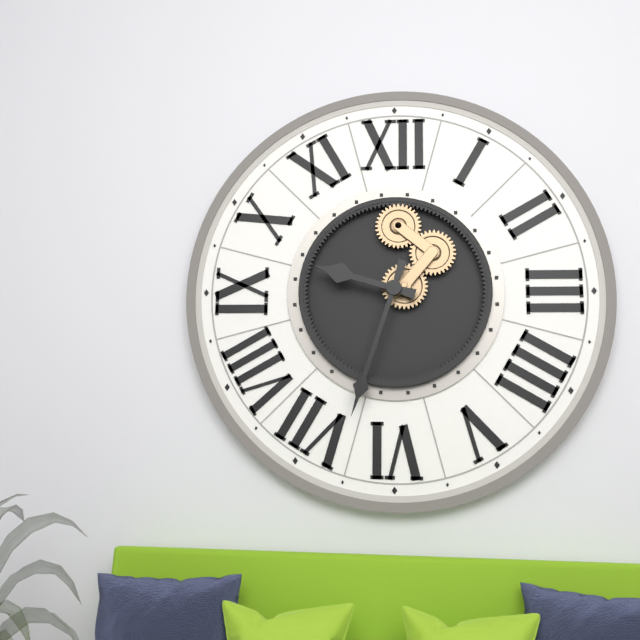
9:33
